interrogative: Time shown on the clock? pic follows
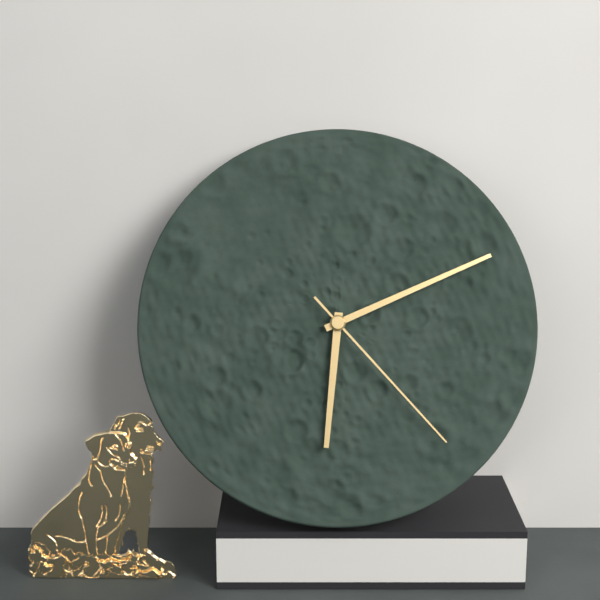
6:11:23
